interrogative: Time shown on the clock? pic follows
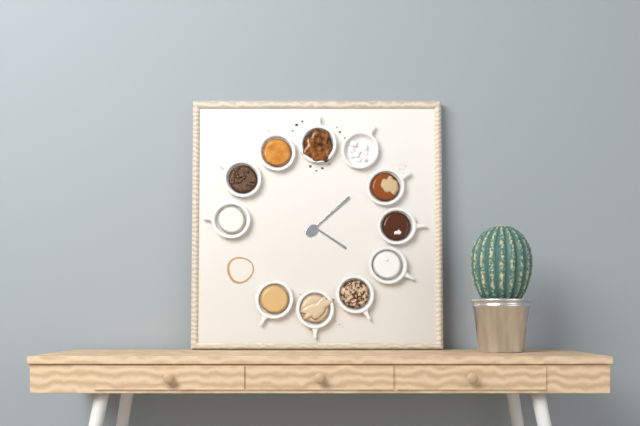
4:08
